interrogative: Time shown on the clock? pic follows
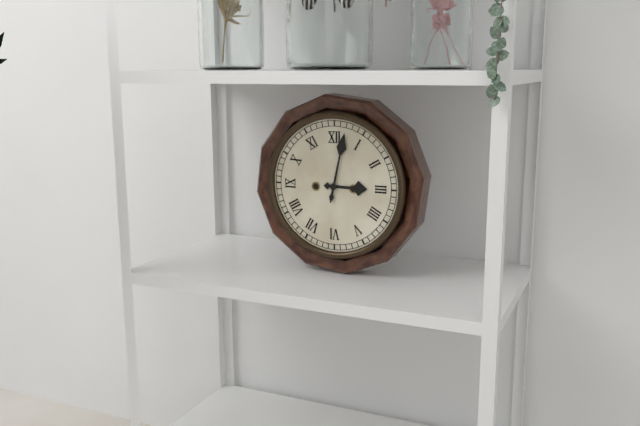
3:02
